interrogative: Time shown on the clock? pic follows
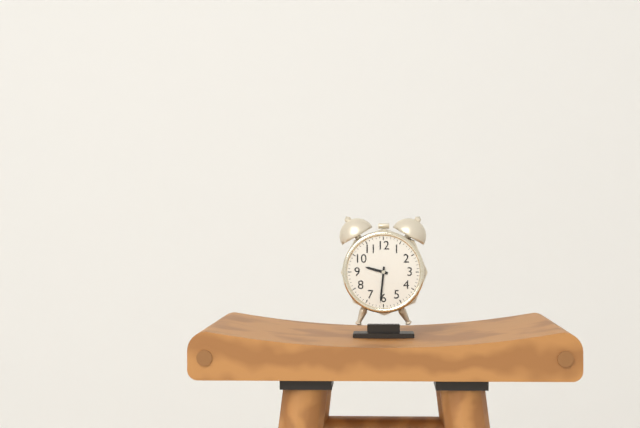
9:31
